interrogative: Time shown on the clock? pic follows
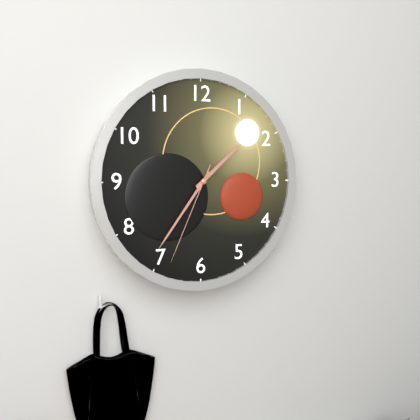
1:36:34
